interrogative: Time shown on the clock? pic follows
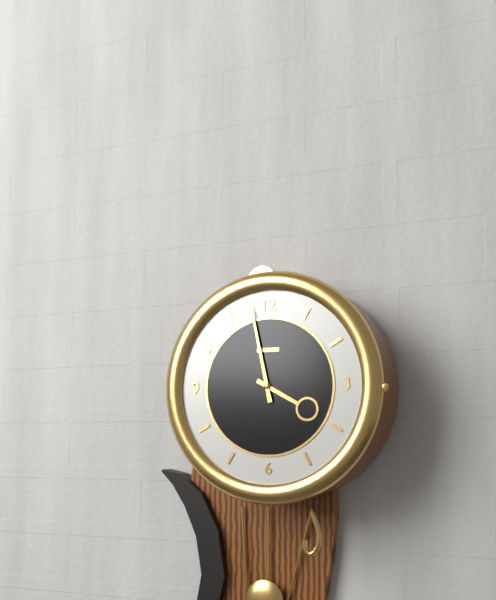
3:58
